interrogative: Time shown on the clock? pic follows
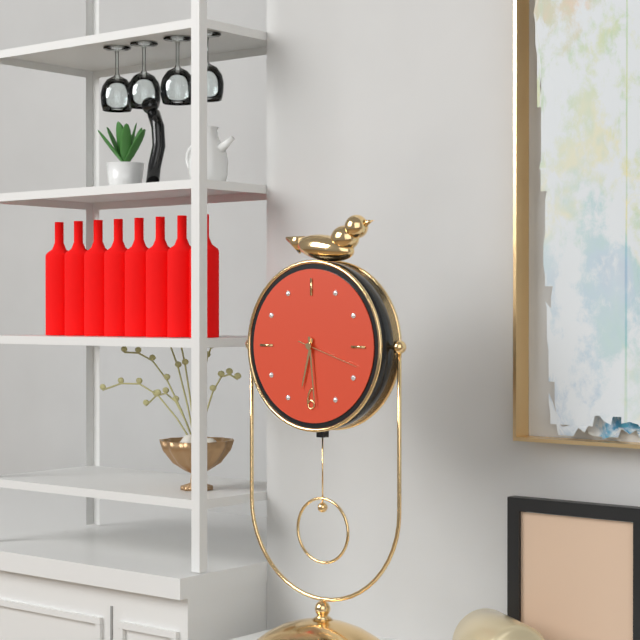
6:29:18
